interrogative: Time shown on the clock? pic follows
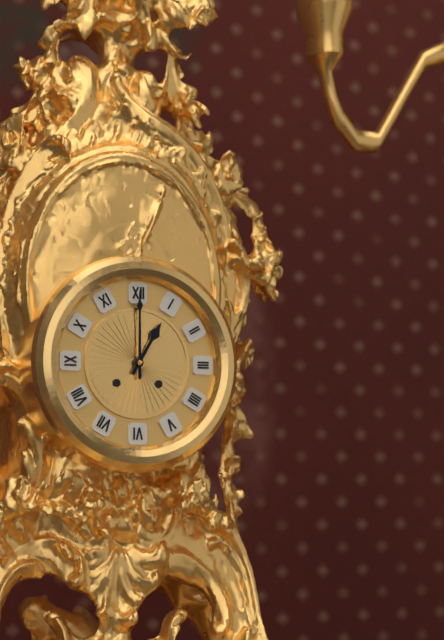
1:00
